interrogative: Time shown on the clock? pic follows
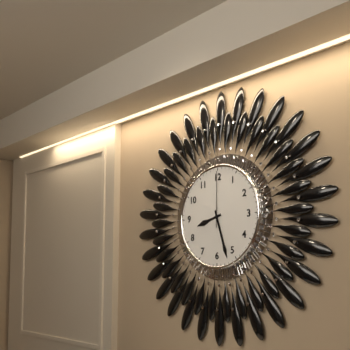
8:27:00
